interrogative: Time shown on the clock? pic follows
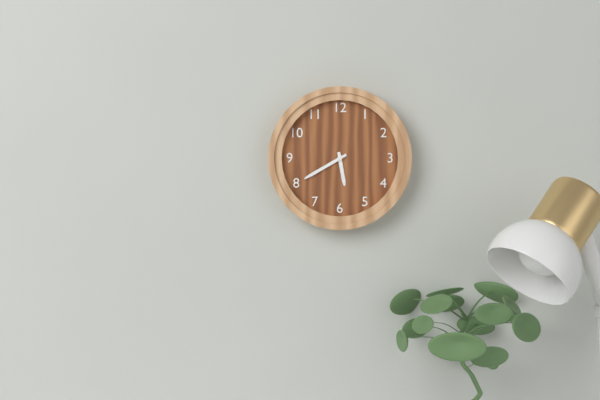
5:40
